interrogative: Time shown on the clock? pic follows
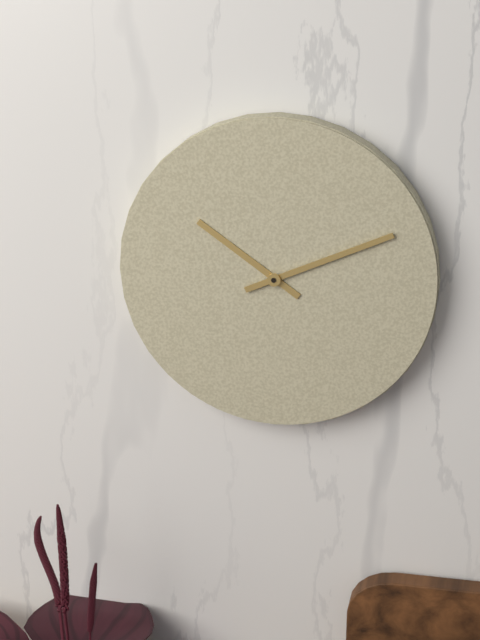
10:11
